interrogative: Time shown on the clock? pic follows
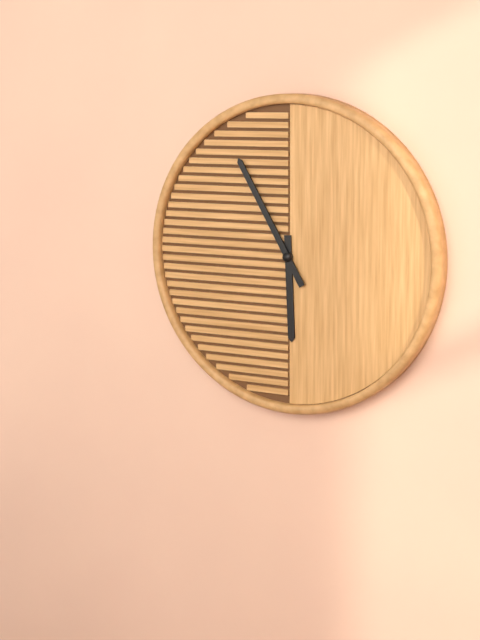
5:55
